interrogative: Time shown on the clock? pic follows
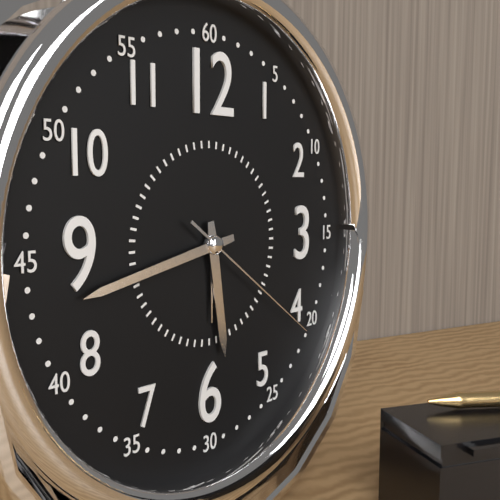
5:43:21
